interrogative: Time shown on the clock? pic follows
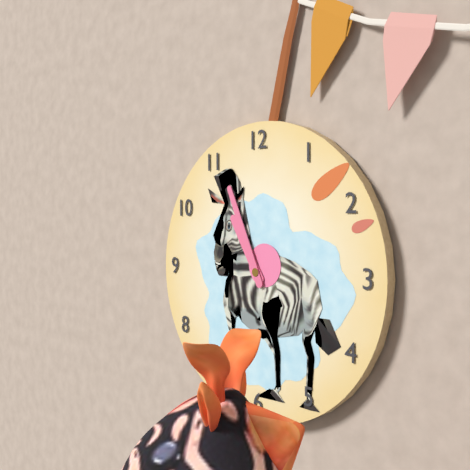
10:56
